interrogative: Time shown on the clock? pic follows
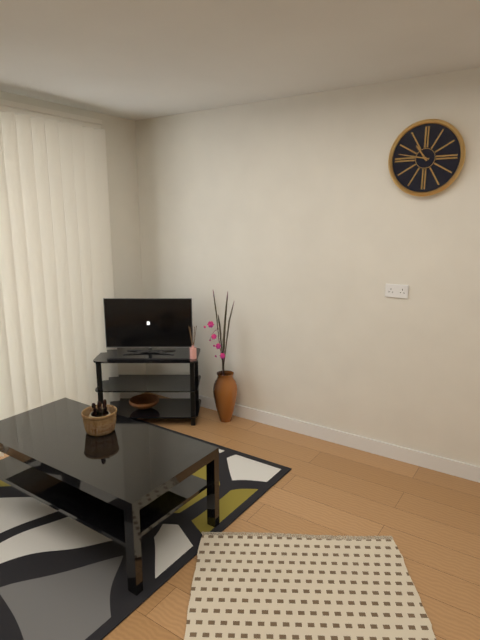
10:47
